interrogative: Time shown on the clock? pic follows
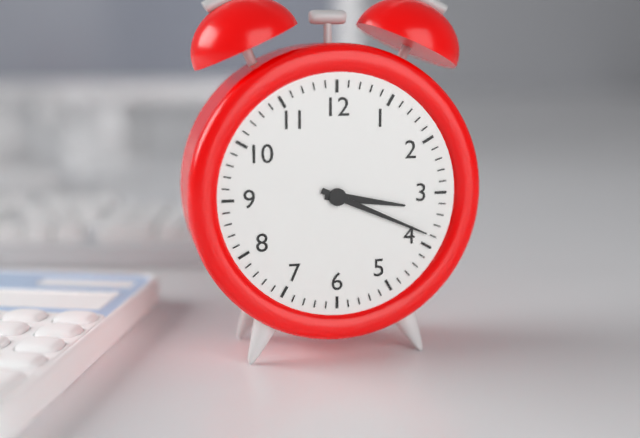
3:19
